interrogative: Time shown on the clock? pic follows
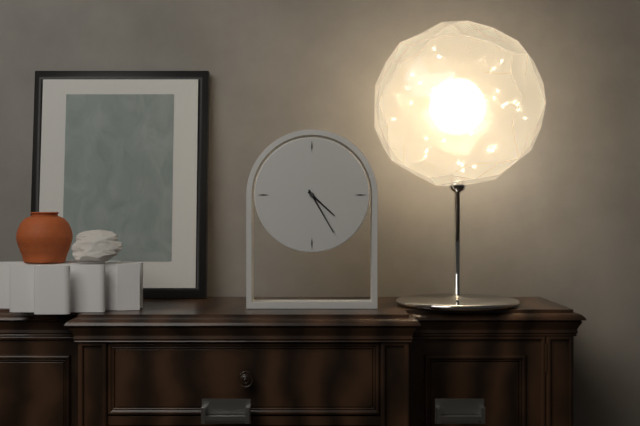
4:25
